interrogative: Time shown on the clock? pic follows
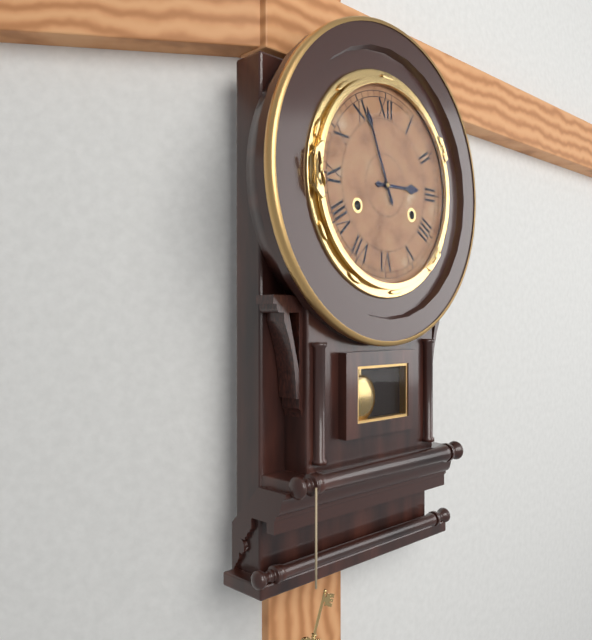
2:56
